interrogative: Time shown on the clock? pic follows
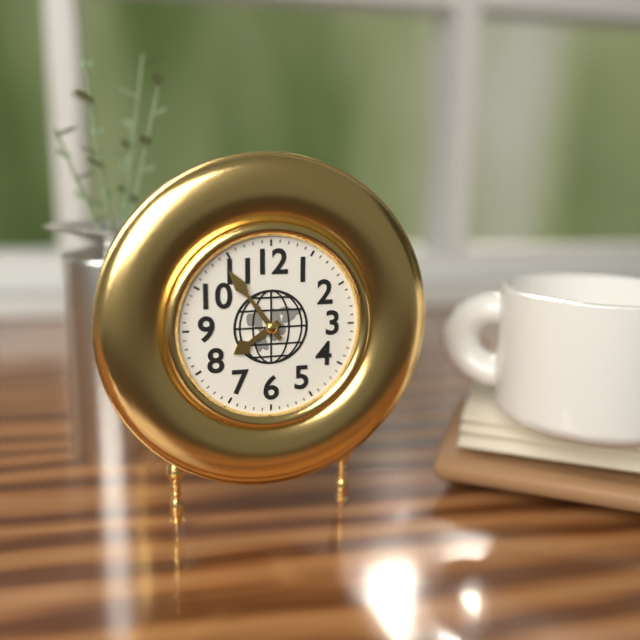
7:54
